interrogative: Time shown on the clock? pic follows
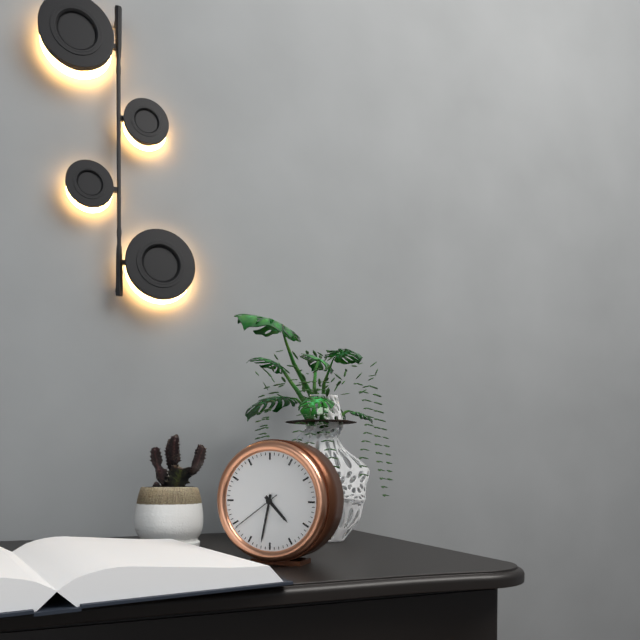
4:32:39
